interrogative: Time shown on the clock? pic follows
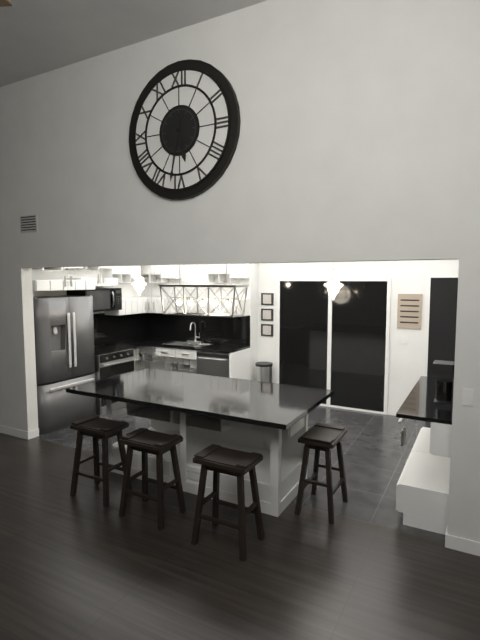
5:32
